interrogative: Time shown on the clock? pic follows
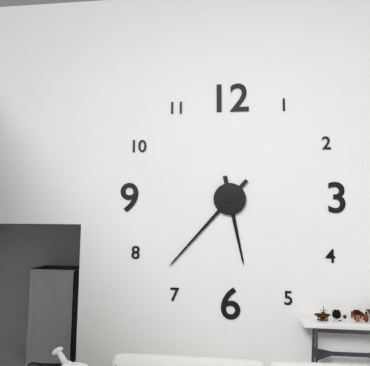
5:37
